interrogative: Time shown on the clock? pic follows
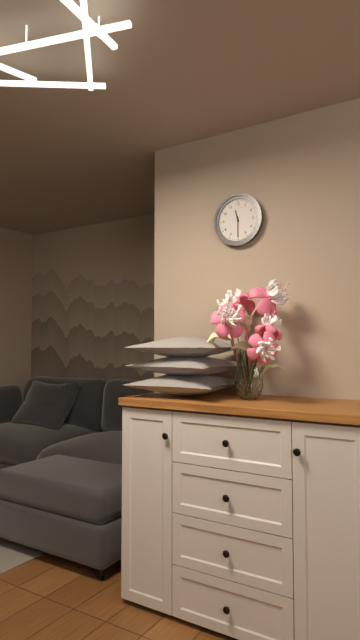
11:30
